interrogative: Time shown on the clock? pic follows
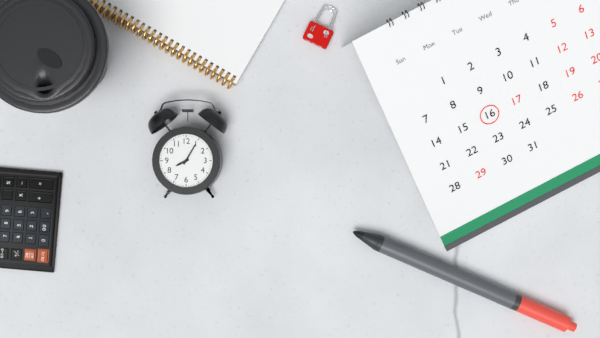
8:05
